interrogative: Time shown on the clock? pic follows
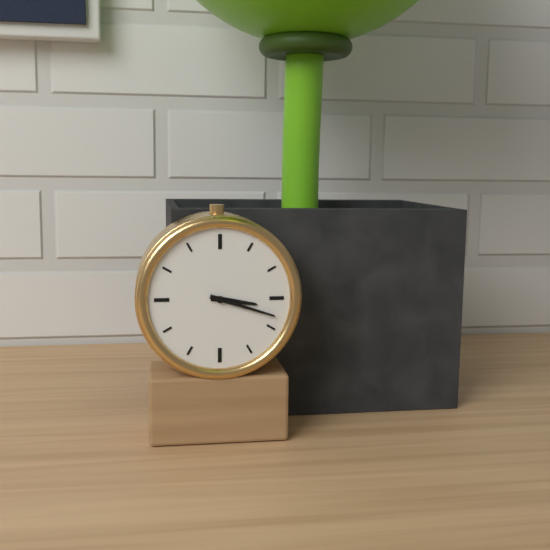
3:18
